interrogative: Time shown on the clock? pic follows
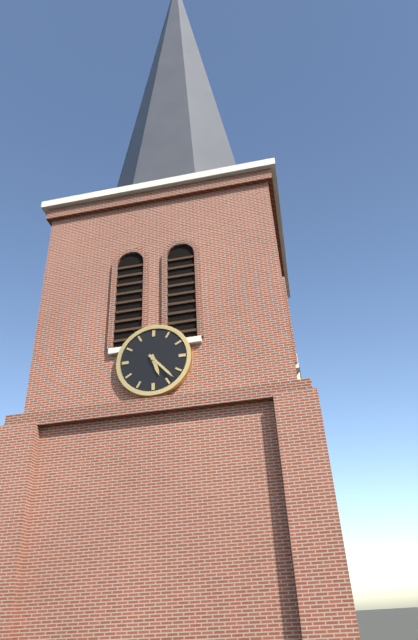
5:23
